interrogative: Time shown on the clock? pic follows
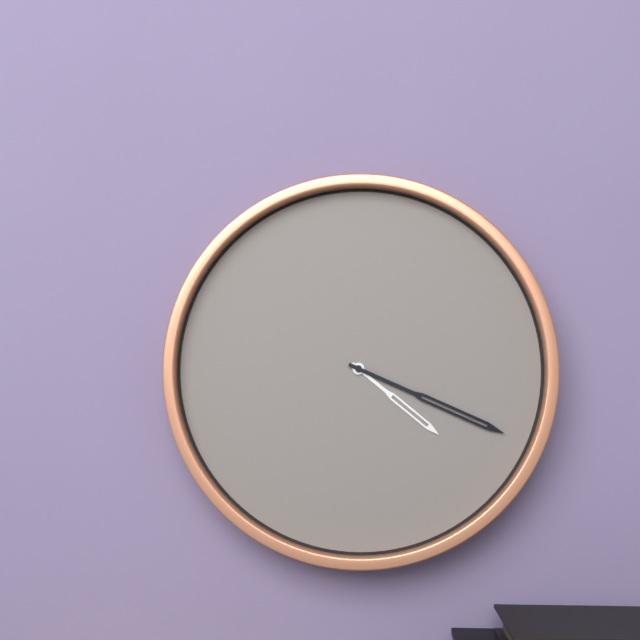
4:19
